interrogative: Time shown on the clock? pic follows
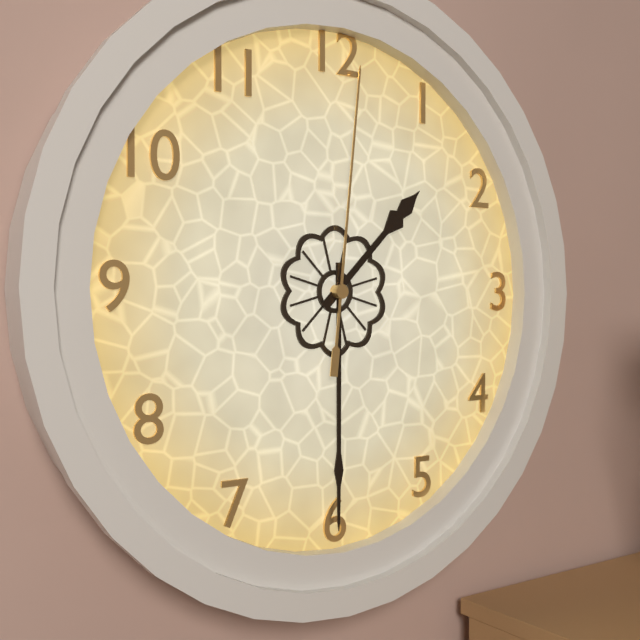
1:30:01
